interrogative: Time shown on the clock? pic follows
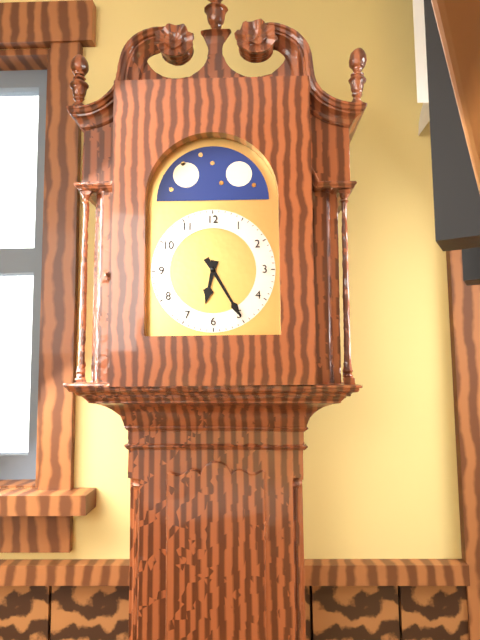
6:25
